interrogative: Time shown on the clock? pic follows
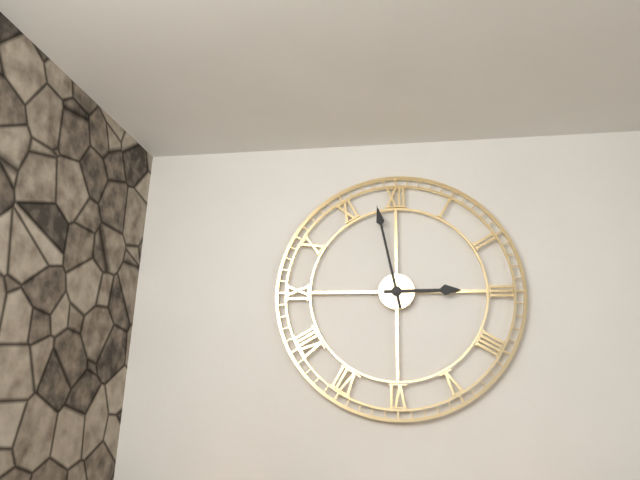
2:58
